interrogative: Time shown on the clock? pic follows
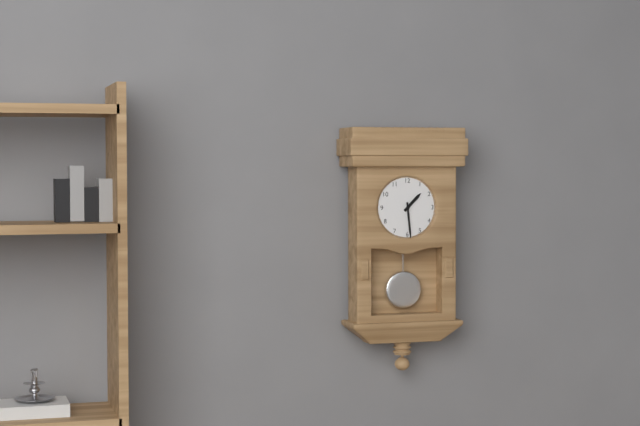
1:29
